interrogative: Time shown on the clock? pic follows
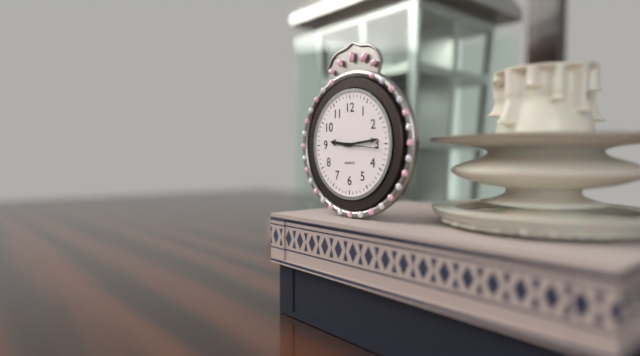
9:14
